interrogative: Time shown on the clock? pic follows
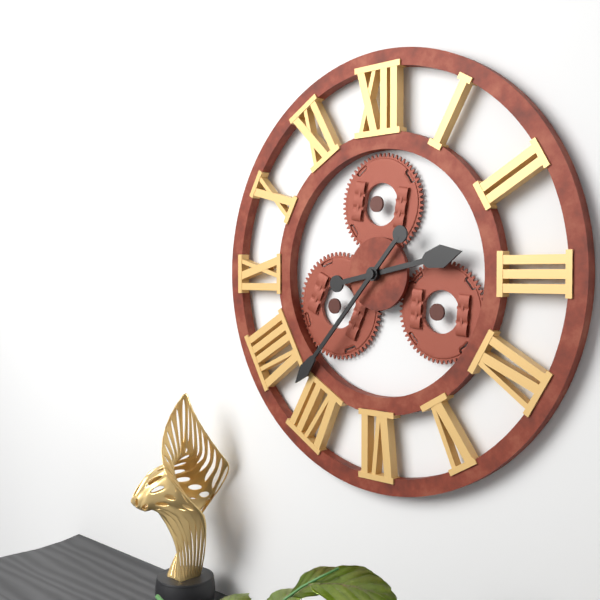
2:37
